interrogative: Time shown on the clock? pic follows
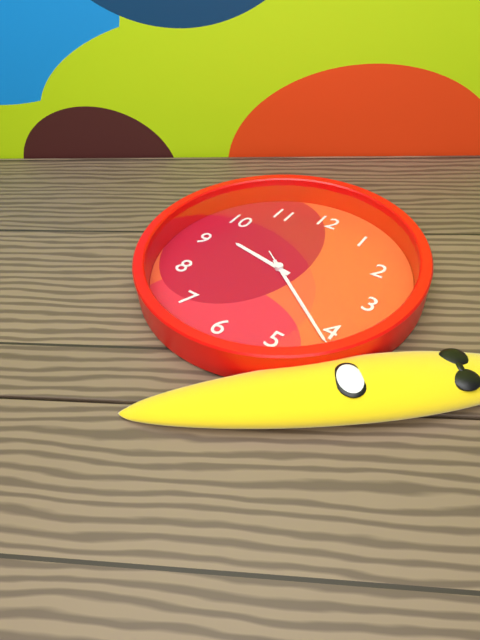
9:21:21
